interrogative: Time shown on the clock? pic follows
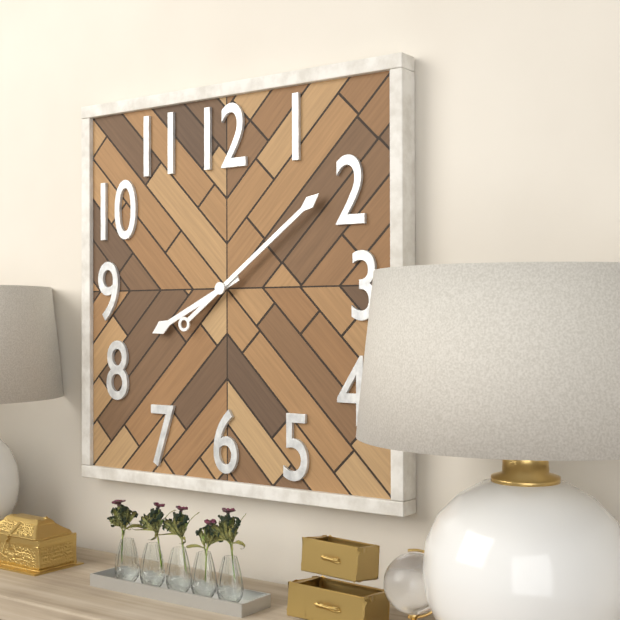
8:09
